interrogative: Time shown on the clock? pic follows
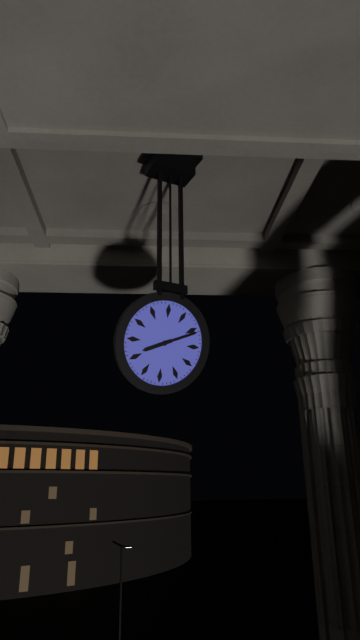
8:11
